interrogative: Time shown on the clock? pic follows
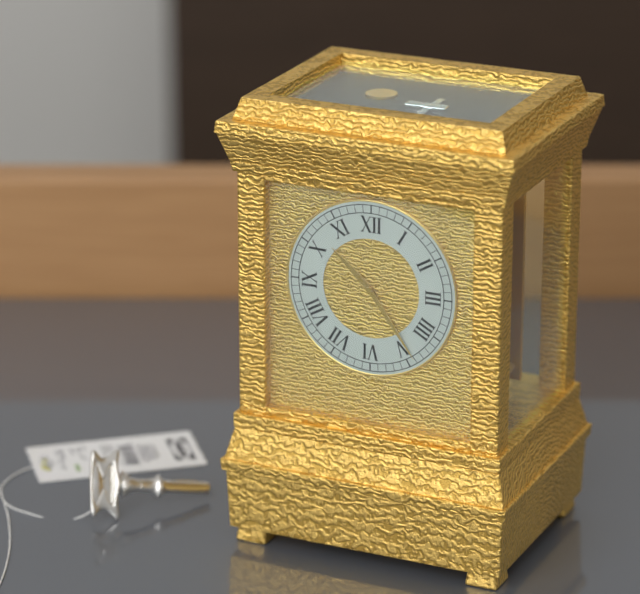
10:24
